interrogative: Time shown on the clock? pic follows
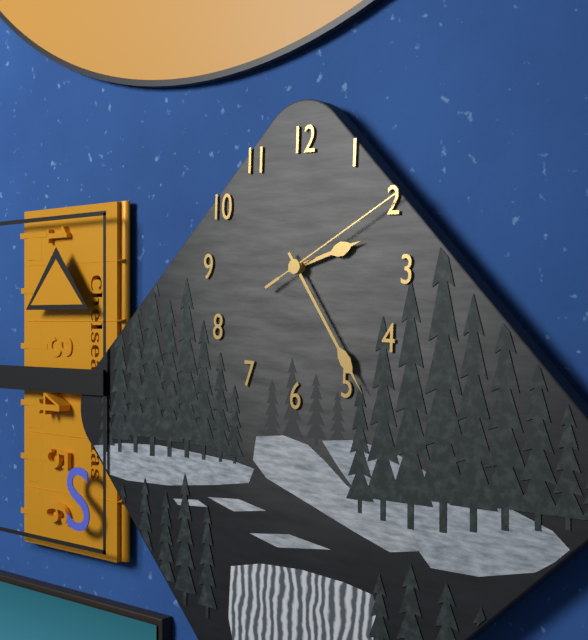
2:24:10
